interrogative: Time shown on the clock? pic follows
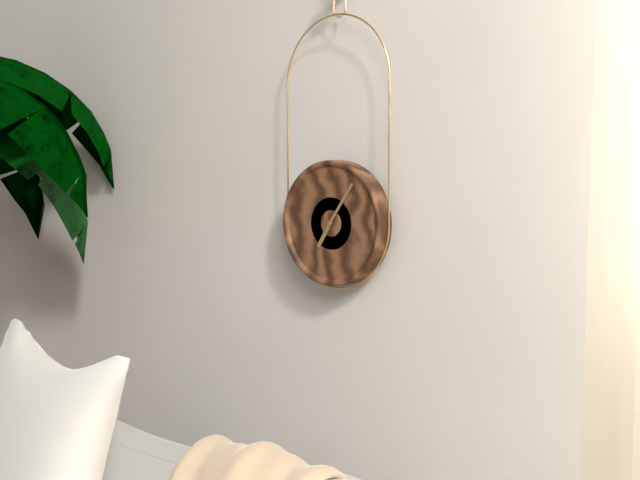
7:06
